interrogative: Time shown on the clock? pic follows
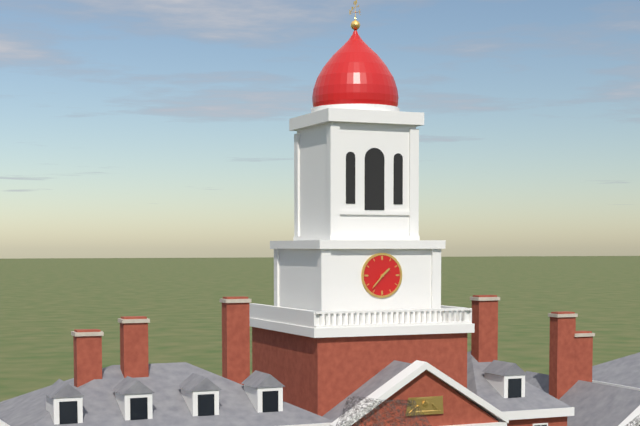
1:37
